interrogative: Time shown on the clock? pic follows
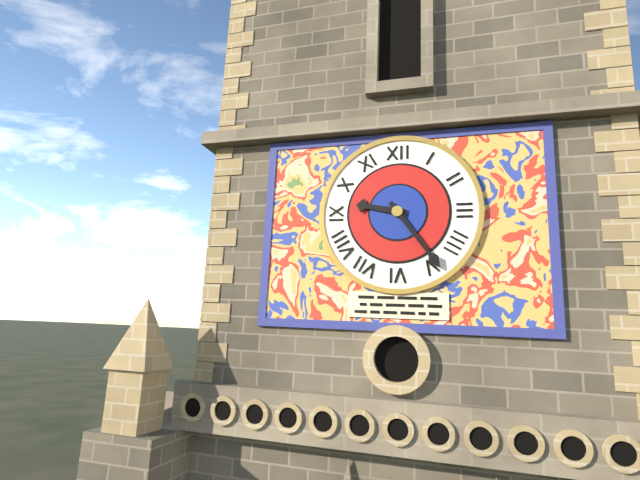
9:24
